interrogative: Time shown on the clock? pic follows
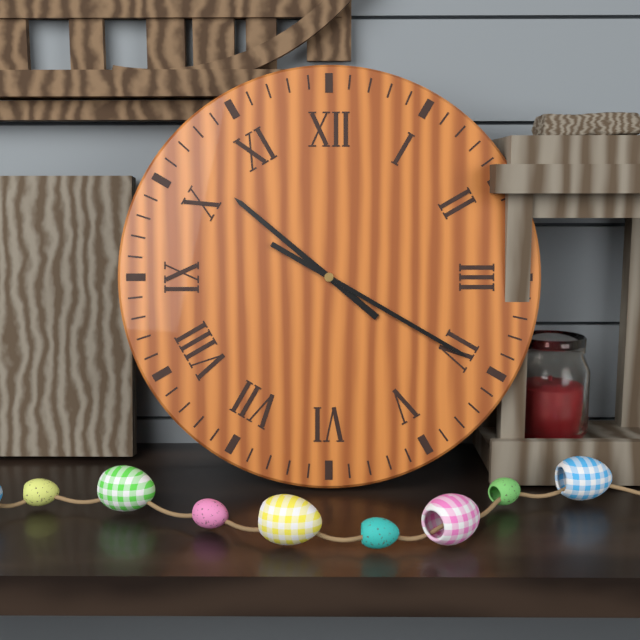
10:20
